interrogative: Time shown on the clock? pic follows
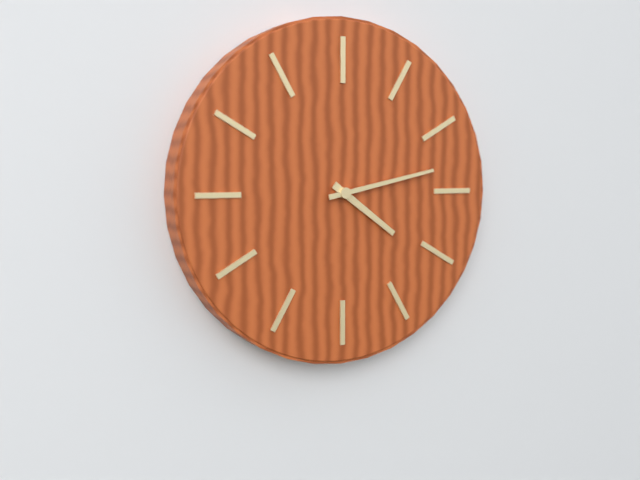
4:13
